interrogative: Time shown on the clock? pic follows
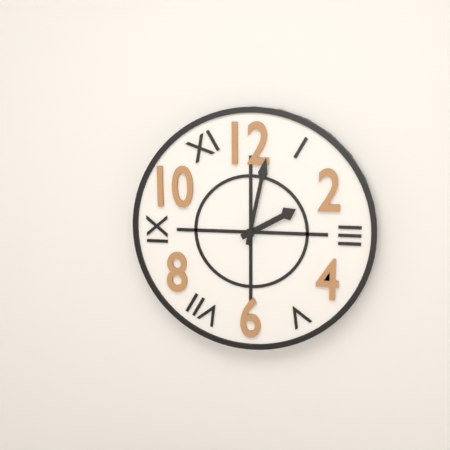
2:02
